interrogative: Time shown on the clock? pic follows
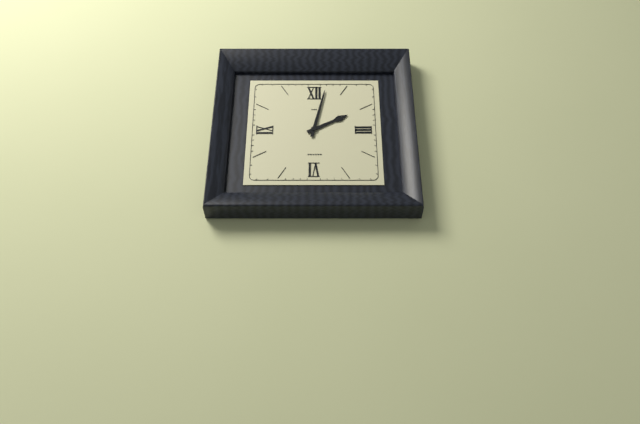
2:02
